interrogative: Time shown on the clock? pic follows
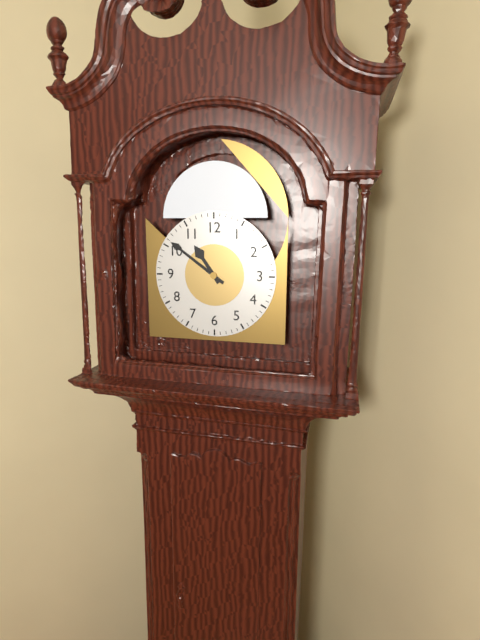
10:51
